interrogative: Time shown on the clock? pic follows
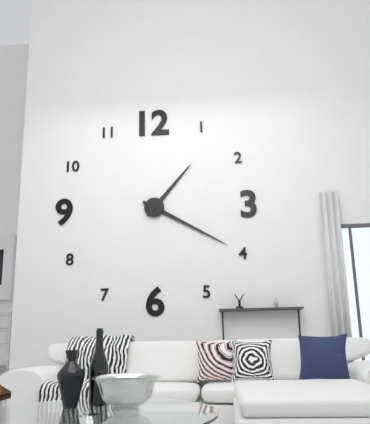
1:20
